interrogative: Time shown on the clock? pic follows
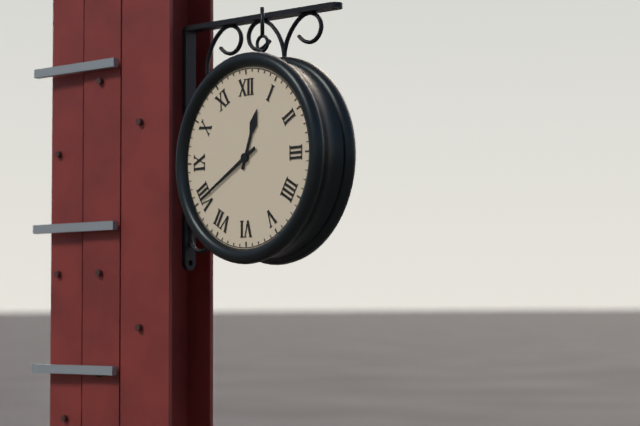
12:40
